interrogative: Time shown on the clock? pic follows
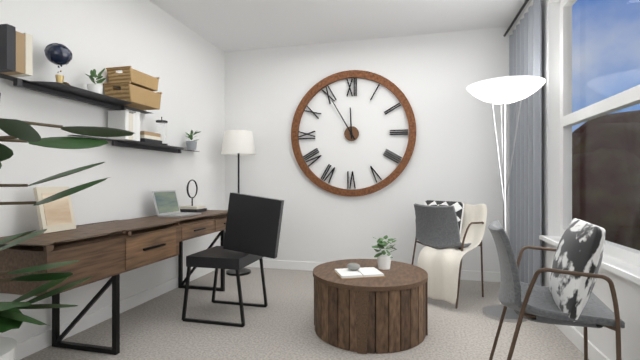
11:55
